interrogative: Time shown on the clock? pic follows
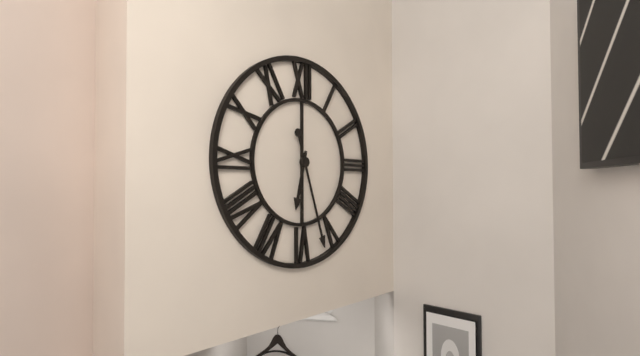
6:27
